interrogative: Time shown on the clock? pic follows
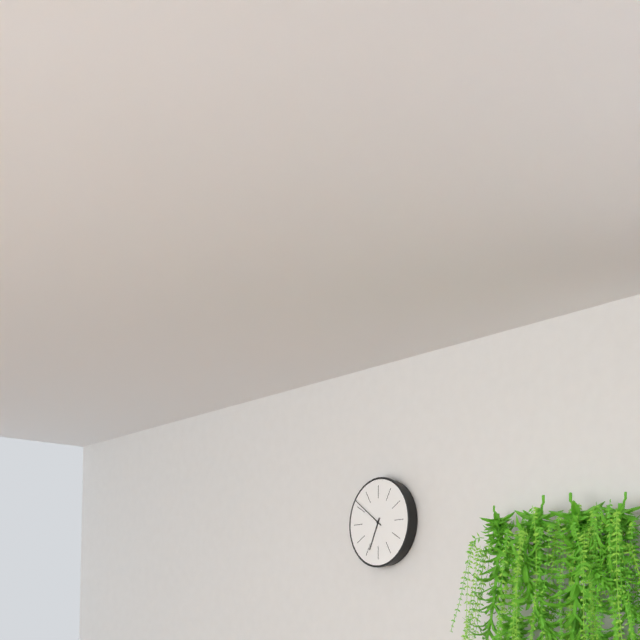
6:51
